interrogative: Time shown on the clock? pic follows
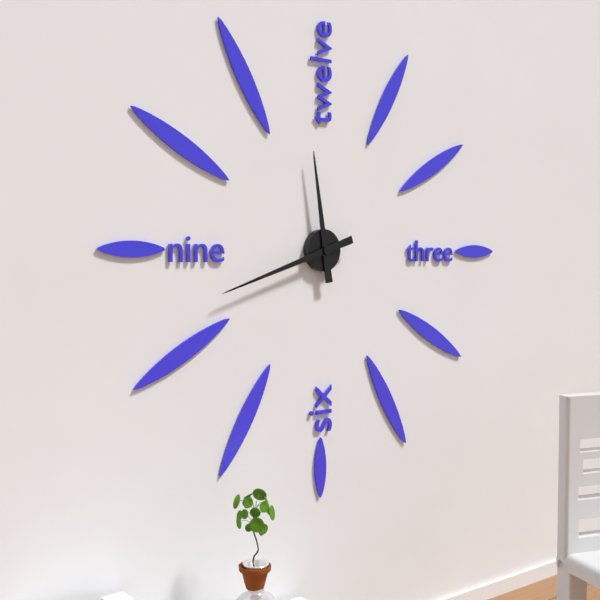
11:42
